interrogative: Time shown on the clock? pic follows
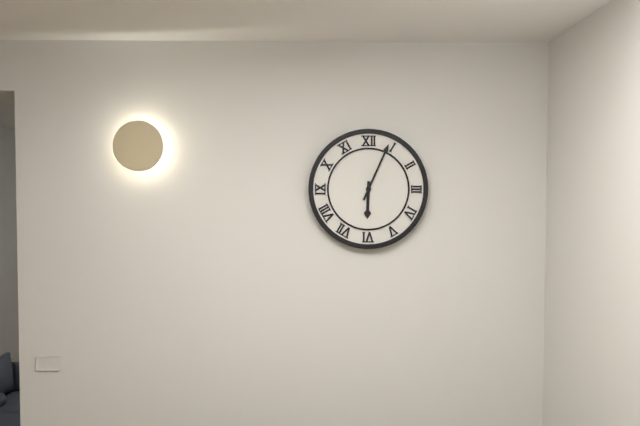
6:04
